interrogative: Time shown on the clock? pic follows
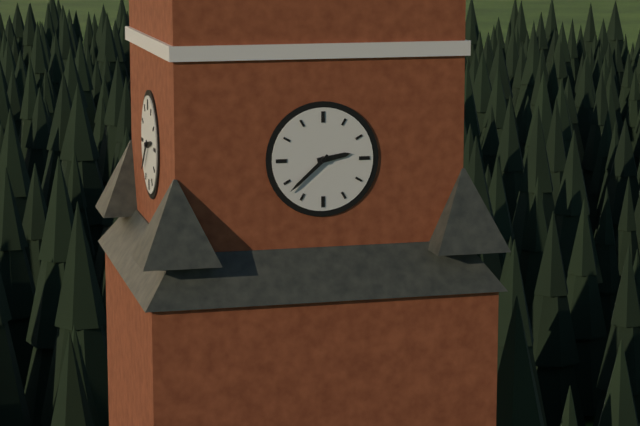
2:38
